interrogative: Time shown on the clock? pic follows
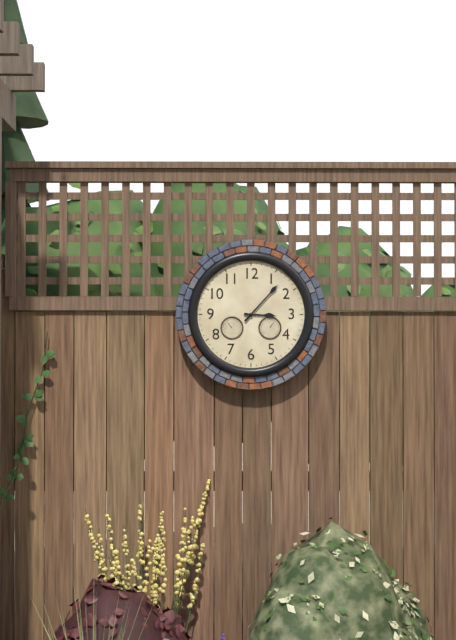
3:07
